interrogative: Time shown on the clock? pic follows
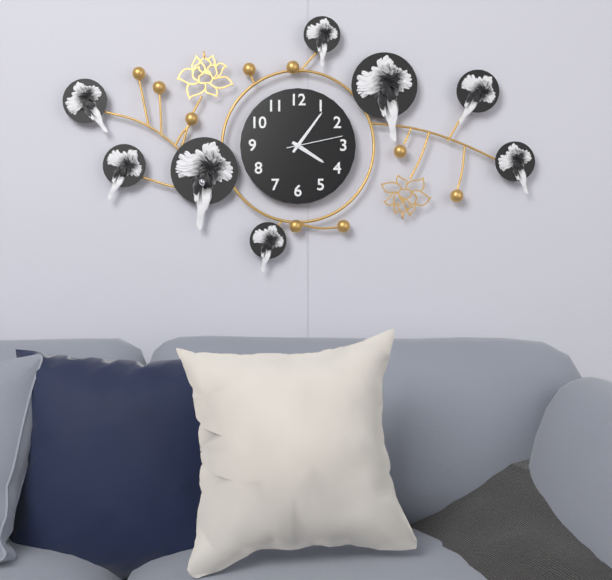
4:06:13
